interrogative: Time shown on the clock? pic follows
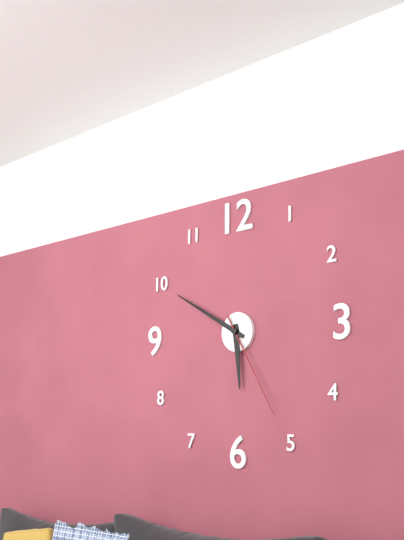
5:50:25
